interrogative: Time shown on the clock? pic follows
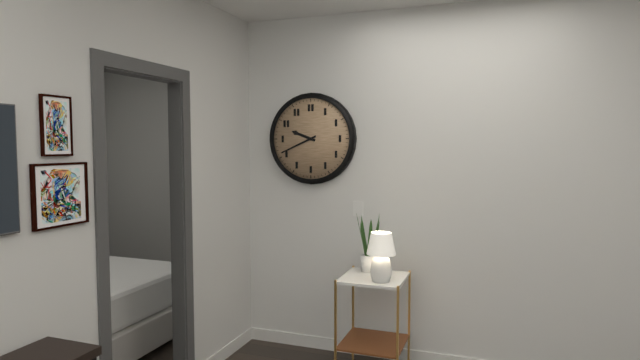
9:41
